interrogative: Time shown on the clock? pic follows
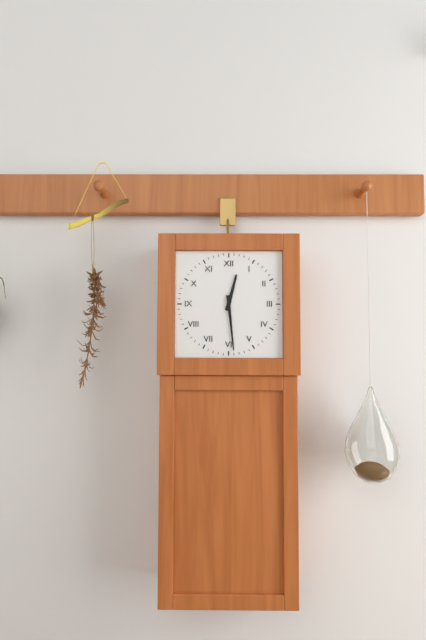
12:29
